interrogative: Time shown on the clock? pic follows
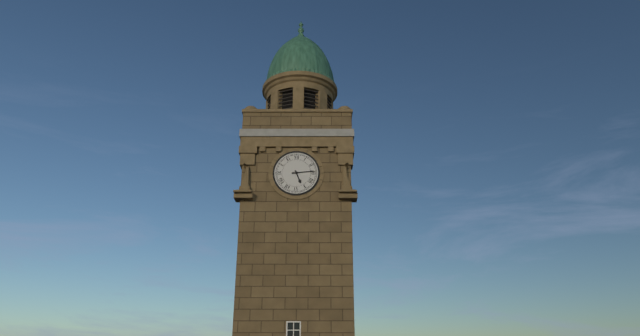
5:14
